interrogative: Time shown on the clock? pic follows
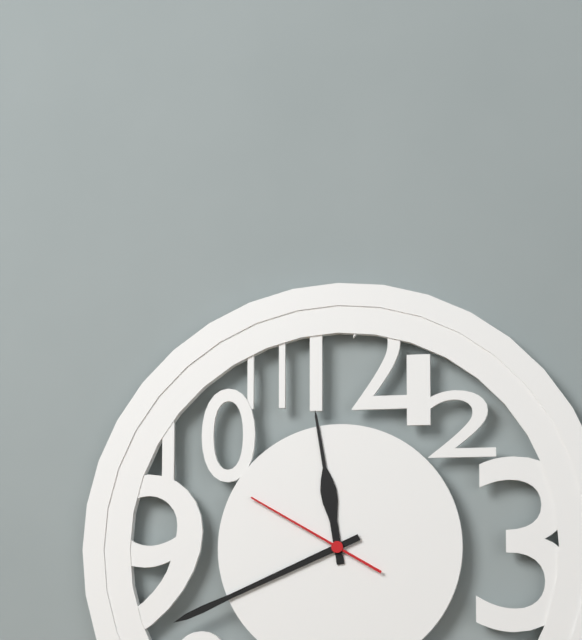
11:41:50
